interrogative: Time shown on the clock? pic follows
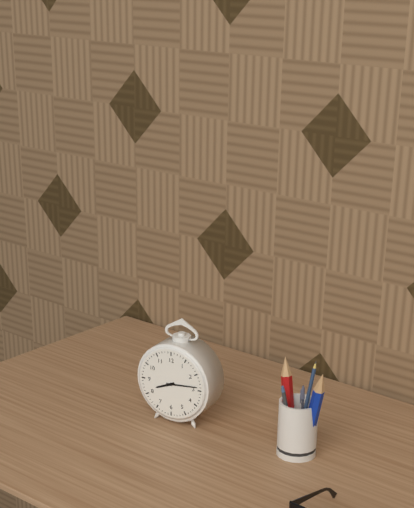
8:14
